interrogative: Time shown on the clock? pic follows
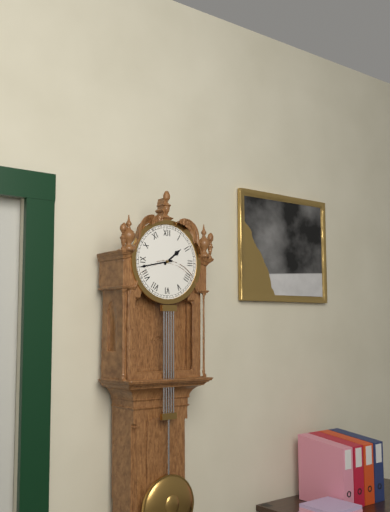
1:43
